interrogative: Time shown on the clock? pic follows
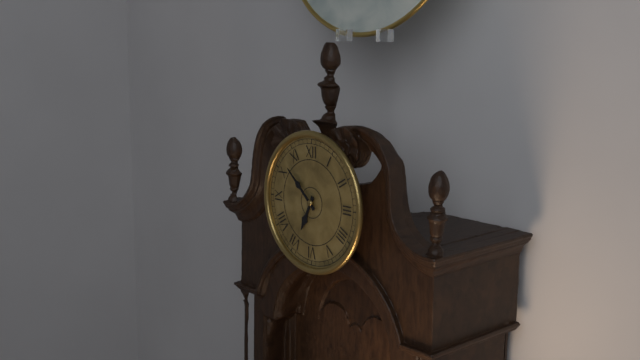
6:52
